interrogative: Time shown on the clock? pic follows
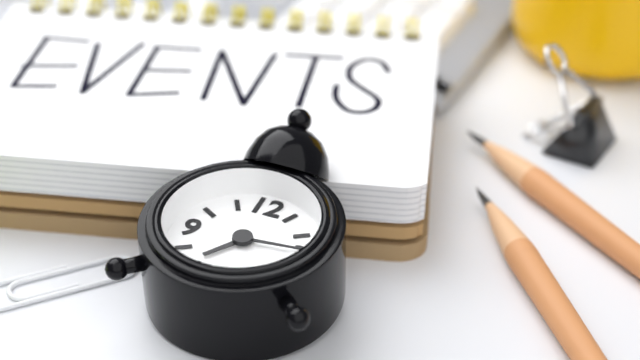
7:14
